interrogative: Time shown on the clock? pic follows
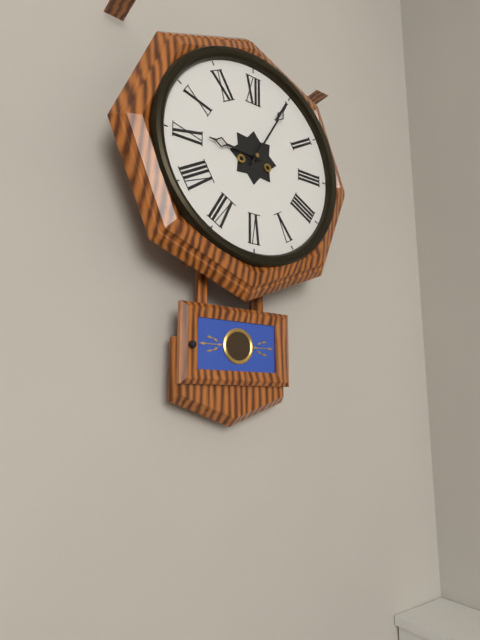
9:05
